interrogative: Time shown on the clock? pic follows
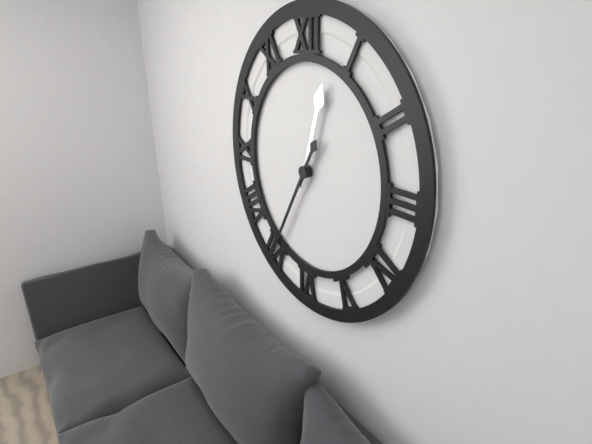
12:35
